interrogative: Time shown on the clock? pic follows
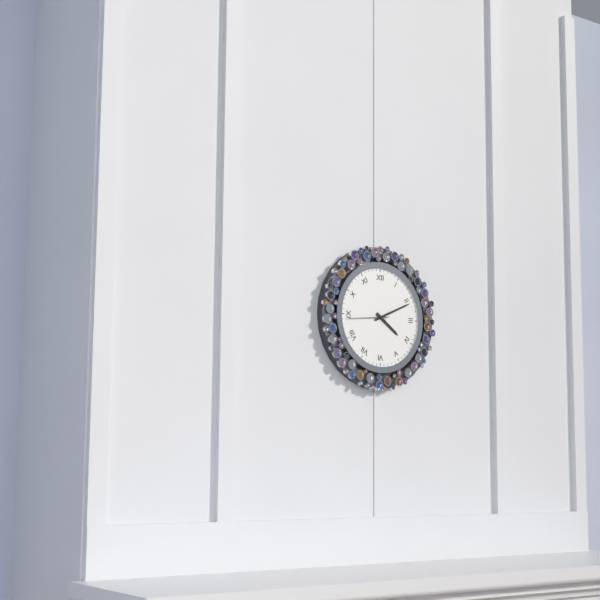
4:11
